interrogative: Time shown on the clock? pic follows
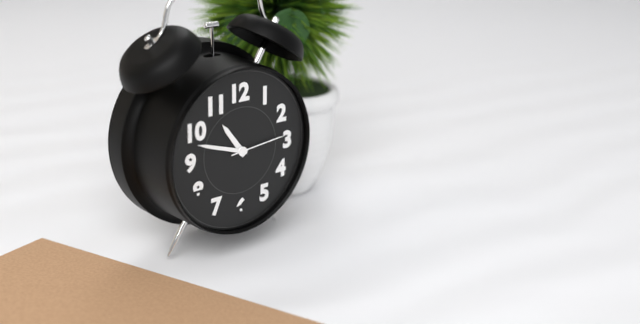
10:48:14
